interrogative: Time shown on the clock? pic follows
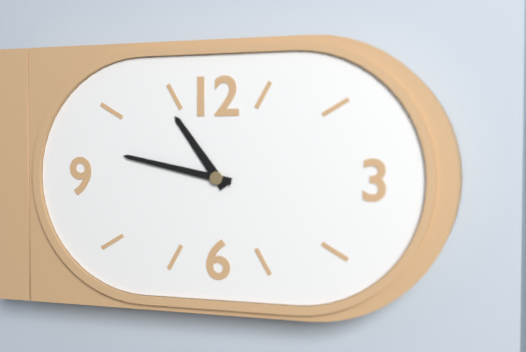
10:47
